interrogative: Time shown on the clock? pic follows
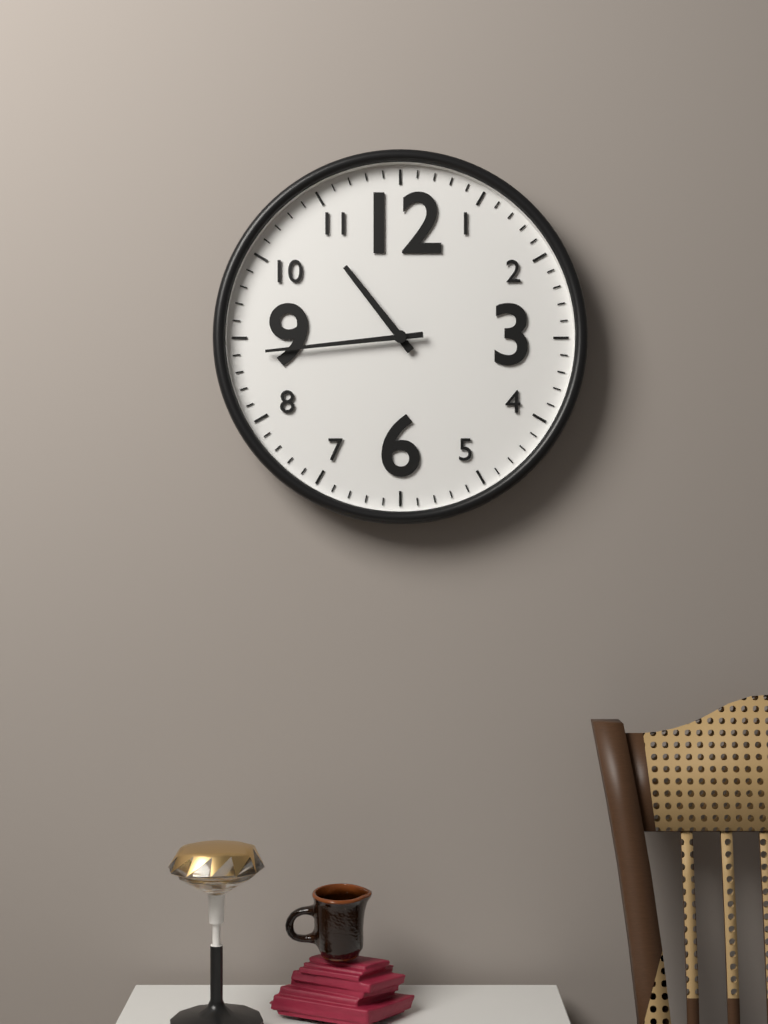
10:44
